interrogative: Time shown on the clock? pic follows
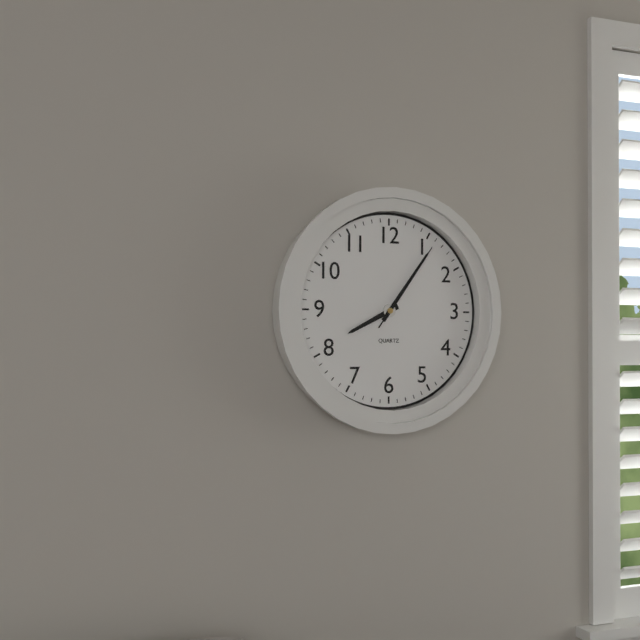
8:06:06
